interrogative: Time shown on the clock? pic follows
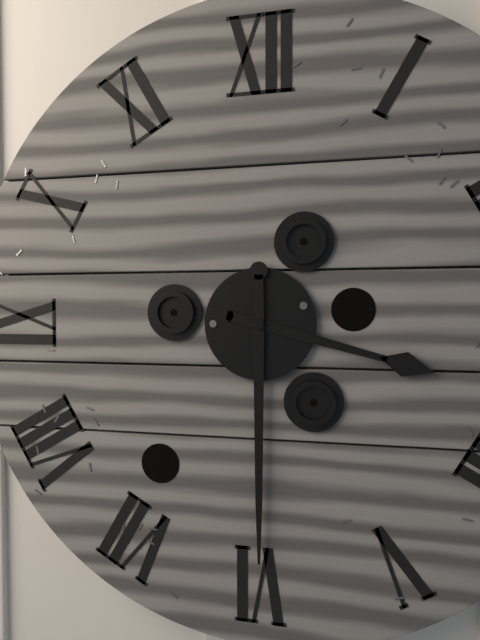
3:30
